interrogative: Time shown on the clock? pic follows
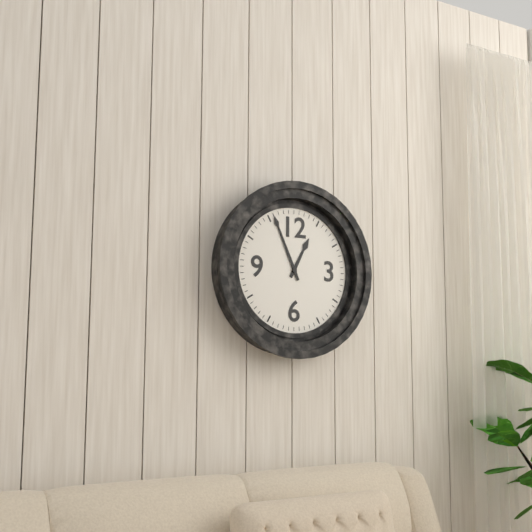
12:56
